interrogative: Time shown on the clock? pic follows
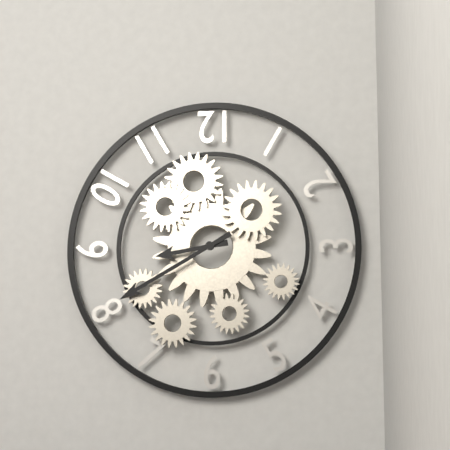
8:40
